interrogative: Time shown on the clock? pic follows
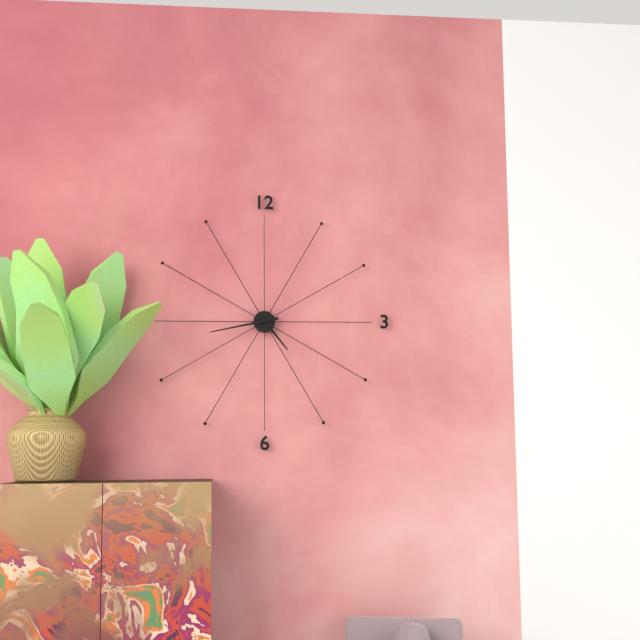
4:43
